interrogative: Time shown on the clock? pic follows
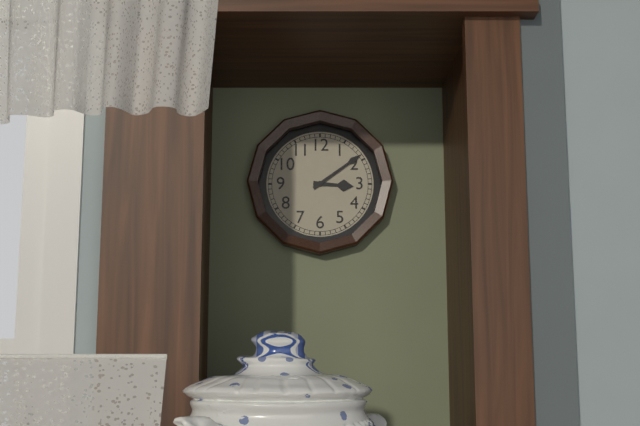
3:09
